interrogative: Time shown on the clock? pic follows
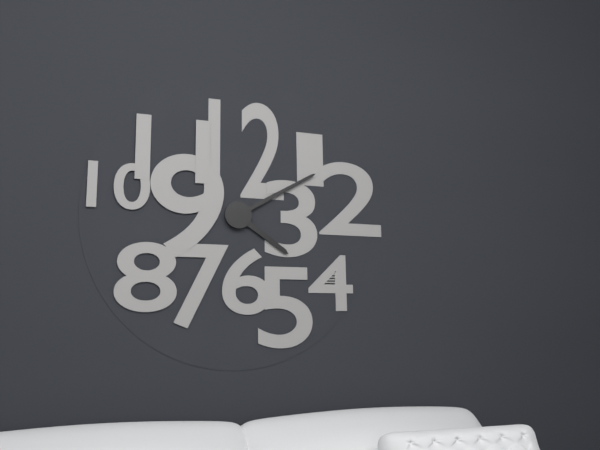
4:10
